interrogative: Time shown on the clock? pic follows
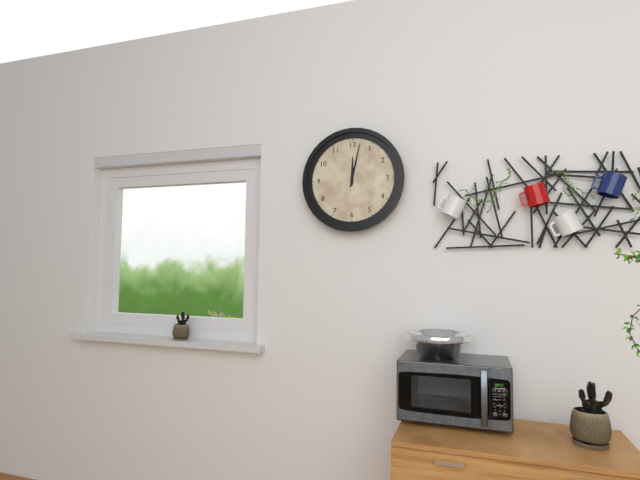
12:02
